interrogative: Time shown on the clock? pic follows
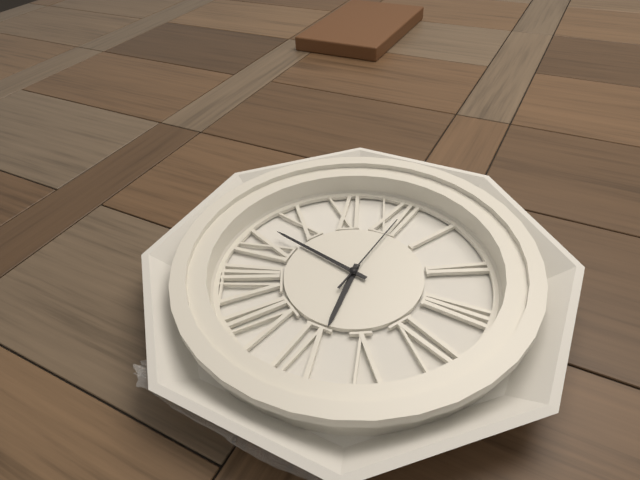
5:47:01
